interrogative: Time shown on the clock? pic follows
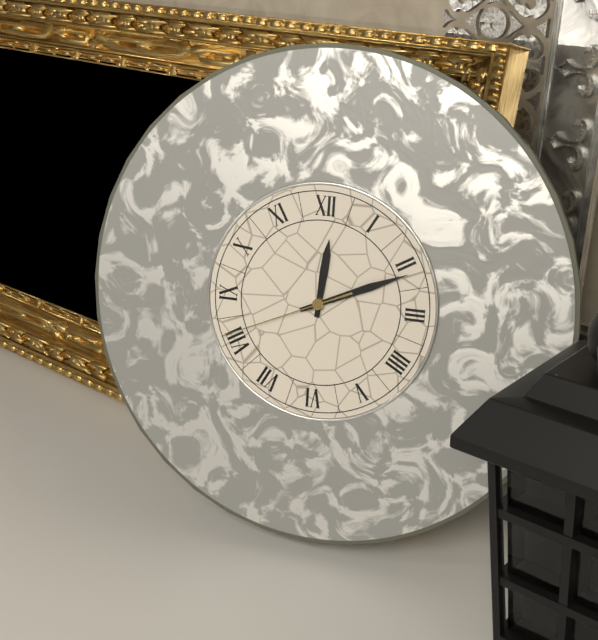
12:11:41
